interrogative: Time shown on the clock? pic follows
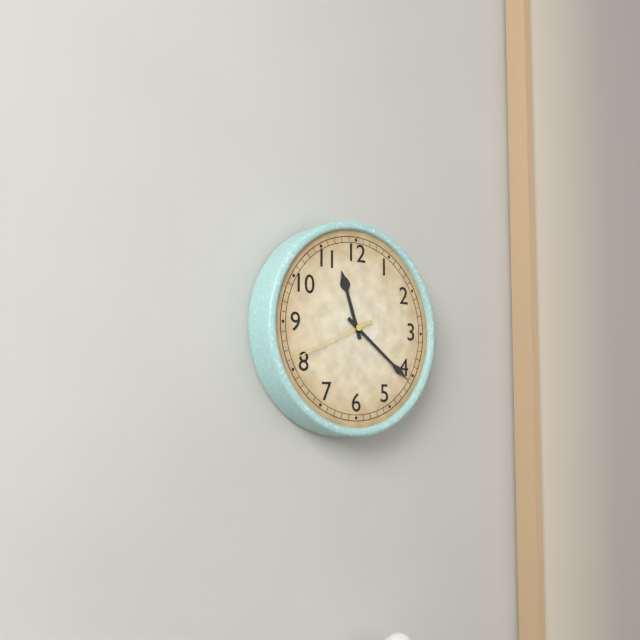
11:21:41
